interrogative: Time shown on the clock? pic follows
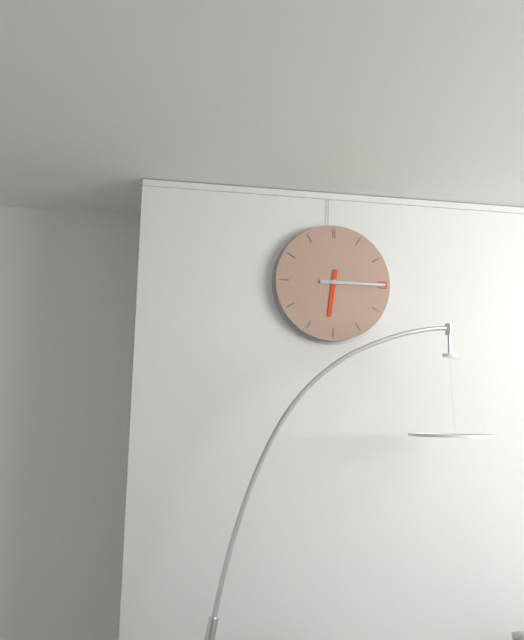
6:15
